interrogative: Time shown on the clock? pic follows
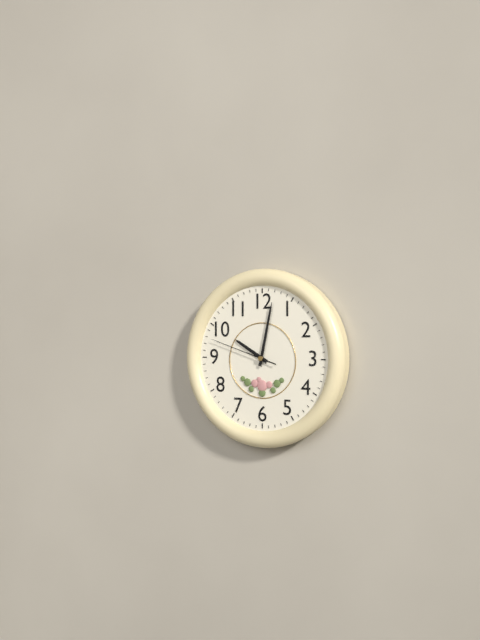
10:02:48
